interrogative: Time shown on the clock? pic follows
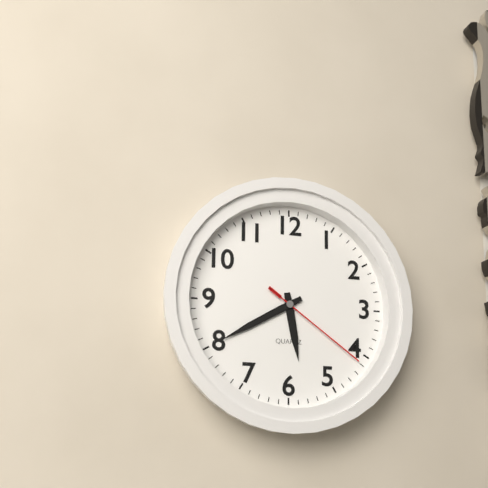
5:40:21
